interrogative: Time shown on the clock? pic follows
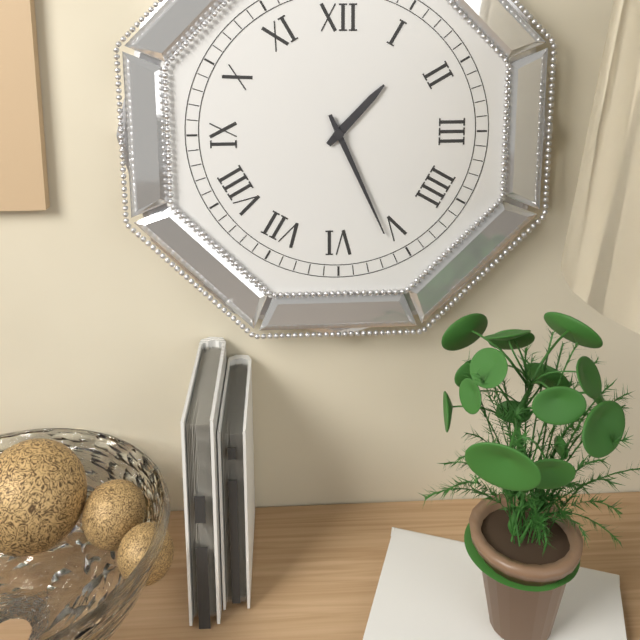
1:26
